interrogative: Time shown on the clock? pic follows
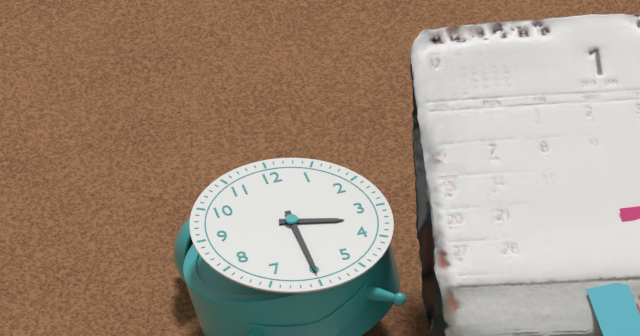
3:30
